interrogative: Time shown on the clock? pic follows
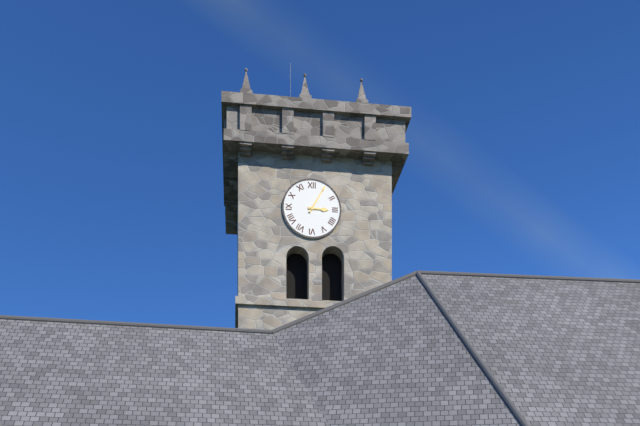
3:05
